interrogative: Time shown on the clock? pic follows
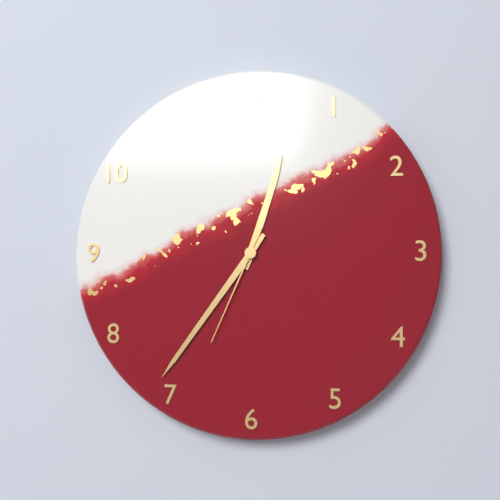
12:36:34
